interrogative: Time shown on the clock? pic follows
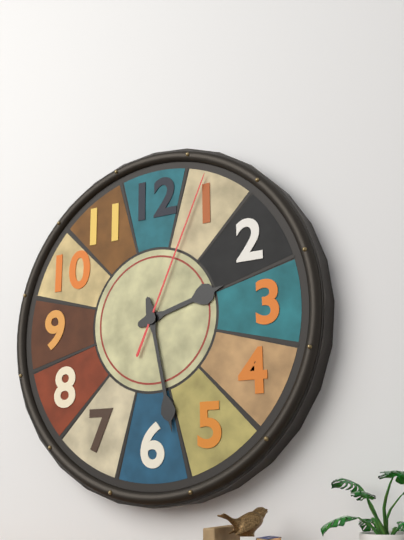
2:28:04
